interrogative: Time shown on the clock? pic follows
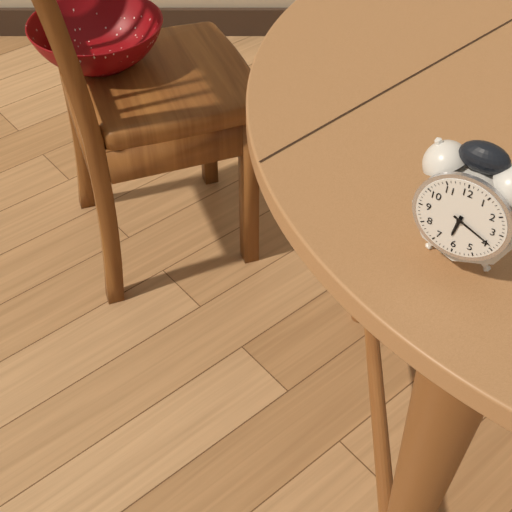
6:19
